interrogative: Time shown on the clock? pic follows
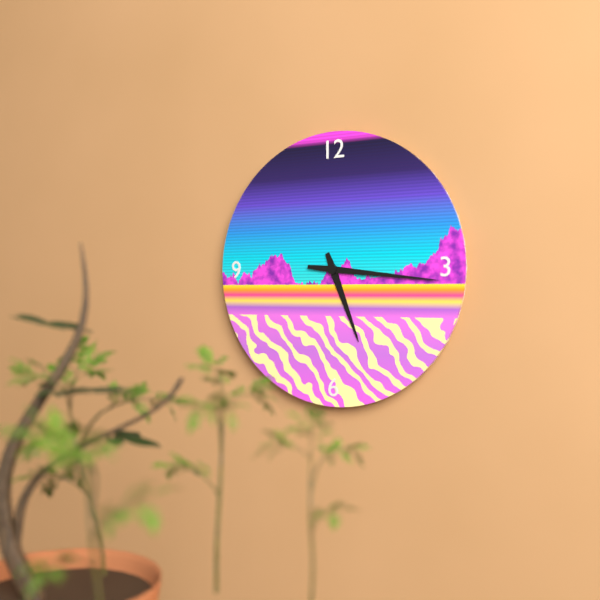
5:16
